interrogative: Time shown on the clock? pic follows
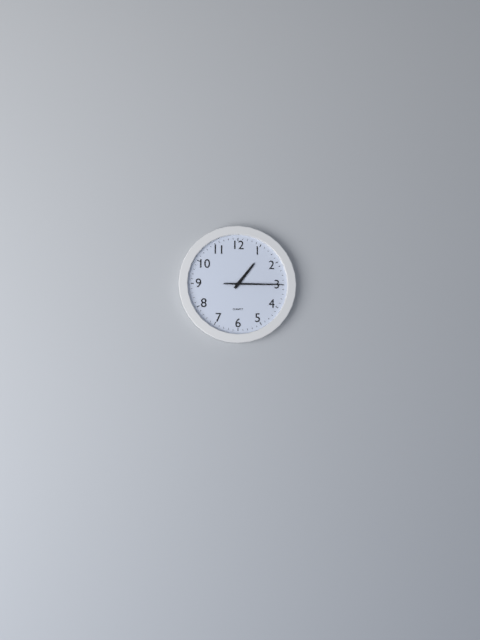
1:15
